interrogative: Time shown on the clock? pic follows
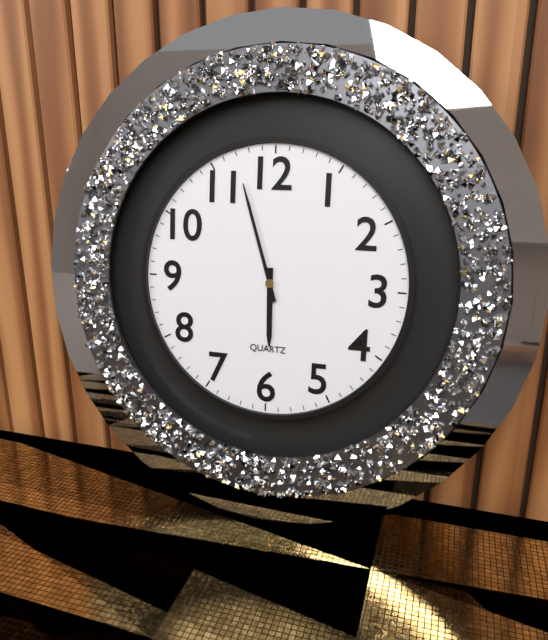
5:57
